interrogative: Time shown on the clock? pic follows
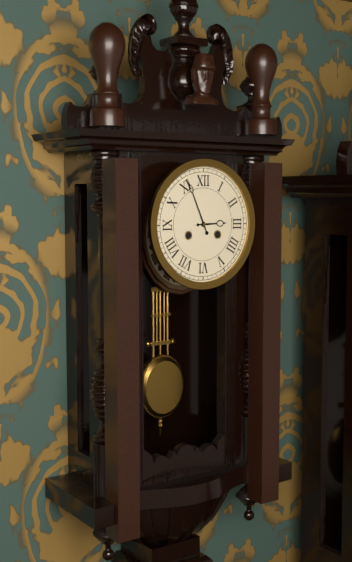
2:56
